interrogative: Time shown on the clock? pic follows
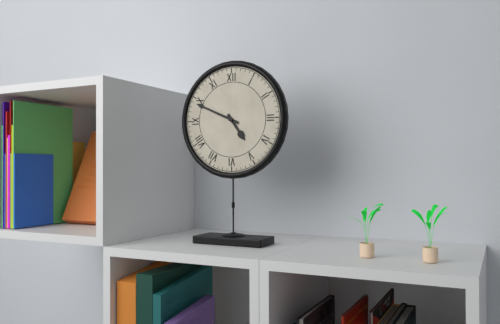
4:49
